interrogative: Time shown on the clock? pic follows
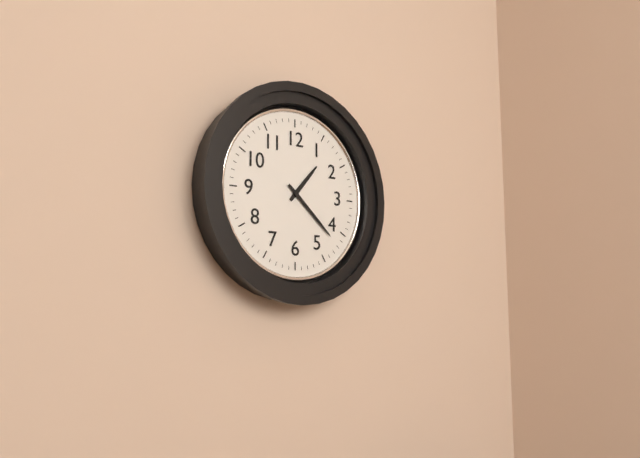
1:22
